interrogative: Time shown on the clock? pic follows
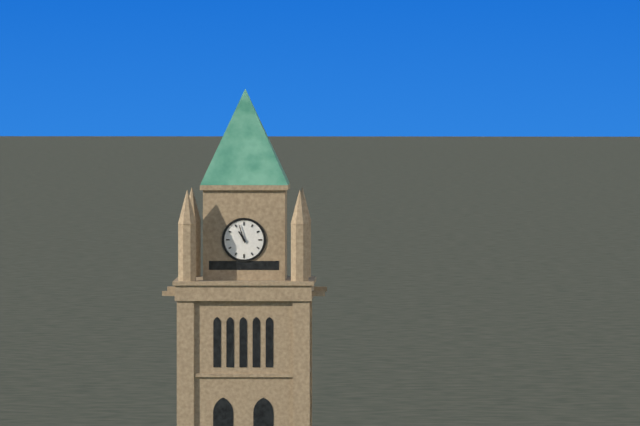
10:57
